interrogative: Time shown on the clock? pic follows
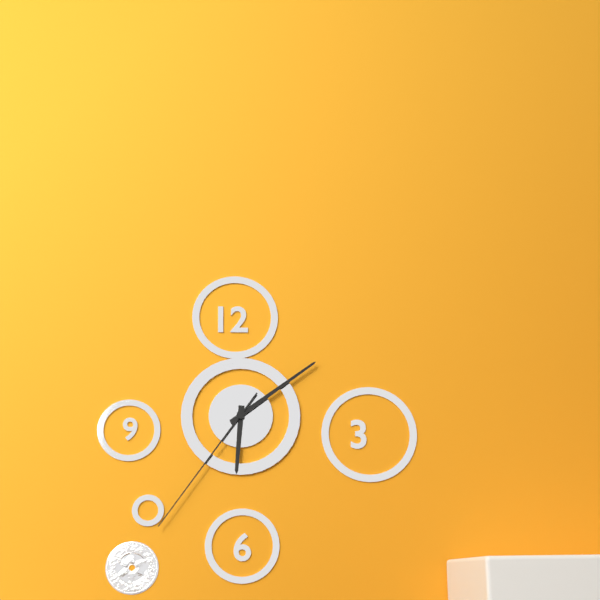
6:09:36
